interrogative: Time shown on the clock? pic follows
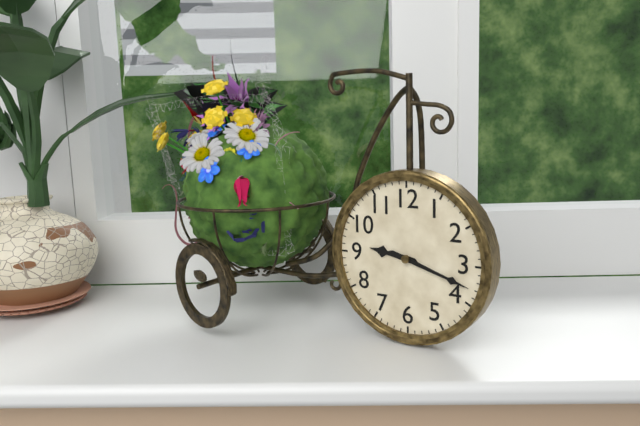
9:18
